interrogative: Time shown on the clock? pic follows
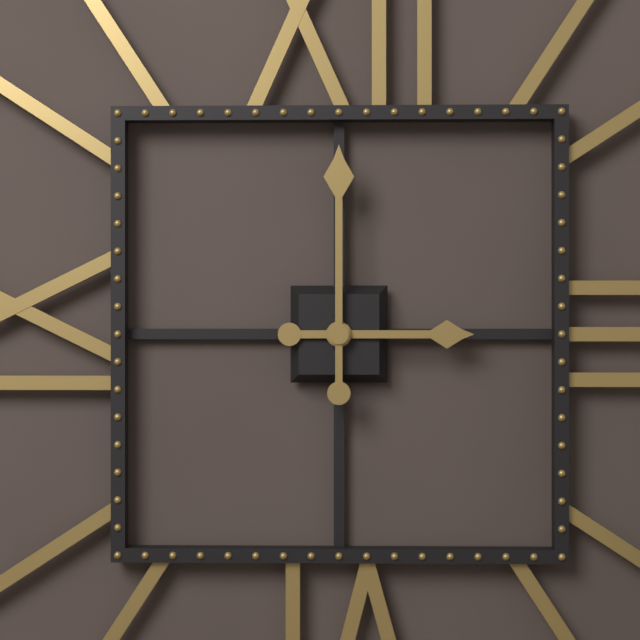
3:00
